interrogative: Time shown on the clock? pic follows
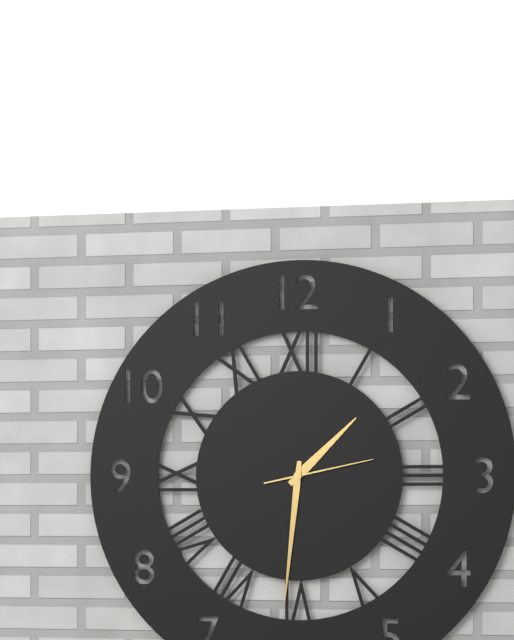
1:31:13
